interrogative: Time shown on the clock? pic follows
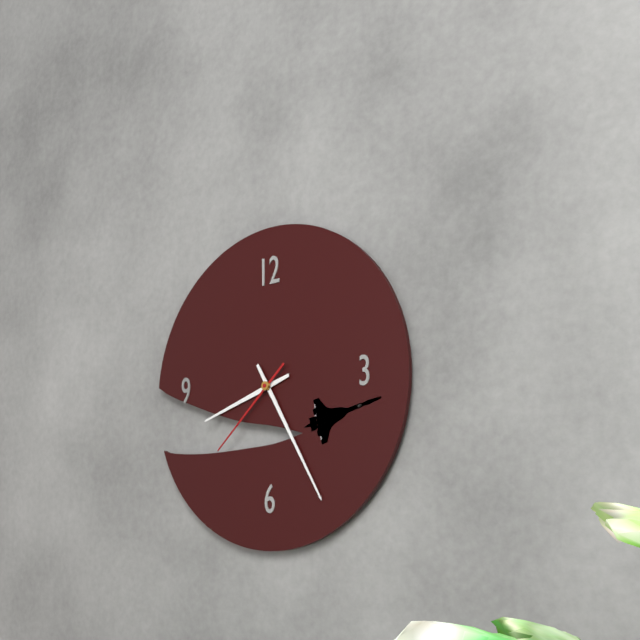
8:25:38
